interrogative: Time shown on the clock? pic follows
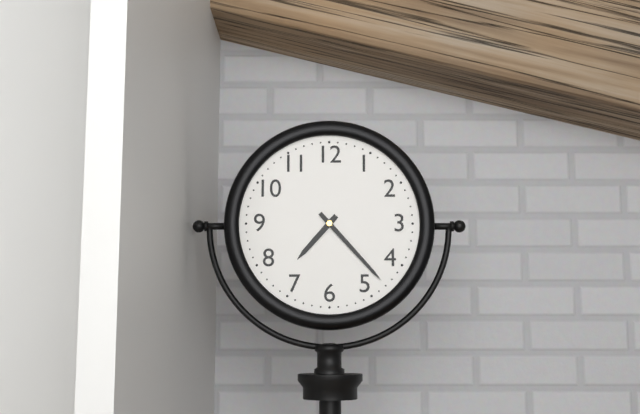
7:23
